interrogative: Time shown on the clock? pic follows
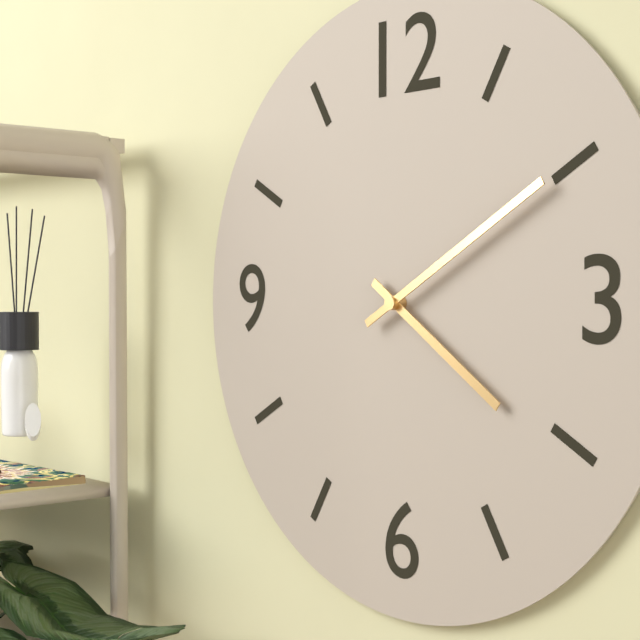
4:10
